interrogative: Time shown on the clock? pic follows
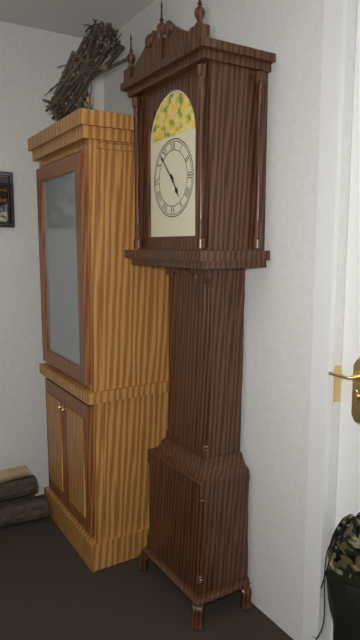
4:53
